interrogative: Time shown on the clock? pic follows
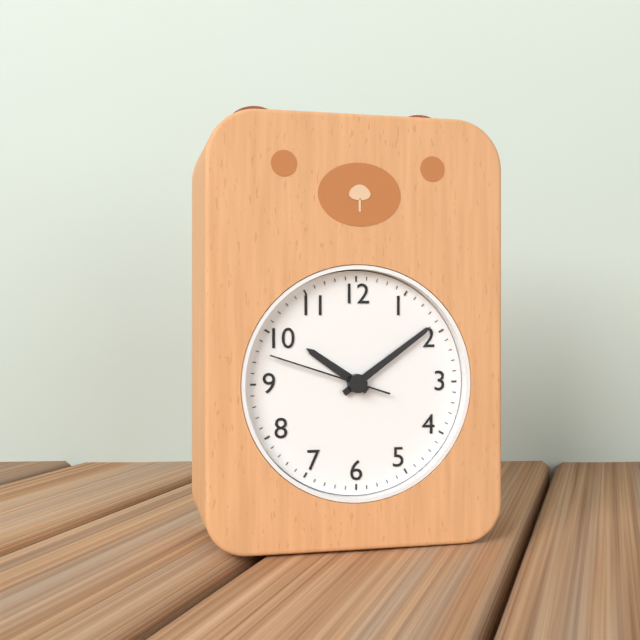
10:09:48
